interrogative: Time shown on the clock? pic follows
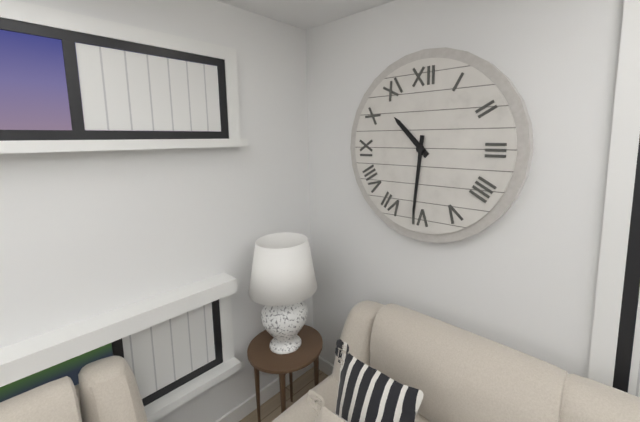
10:31
